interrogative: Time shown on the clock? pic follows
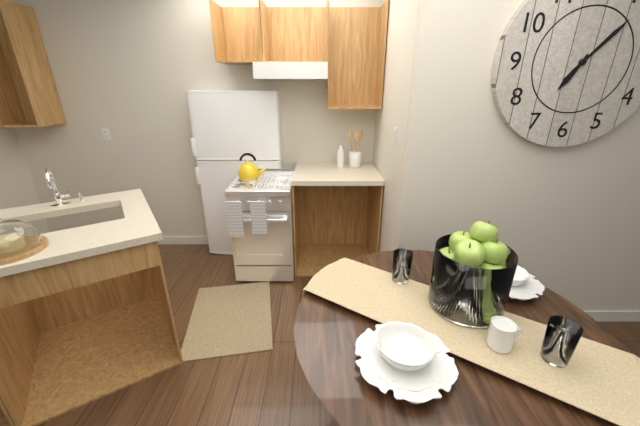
7:07
